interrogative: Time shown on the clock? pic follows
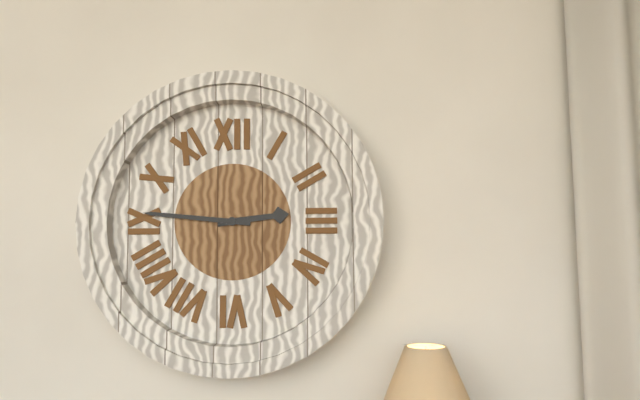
2:46
